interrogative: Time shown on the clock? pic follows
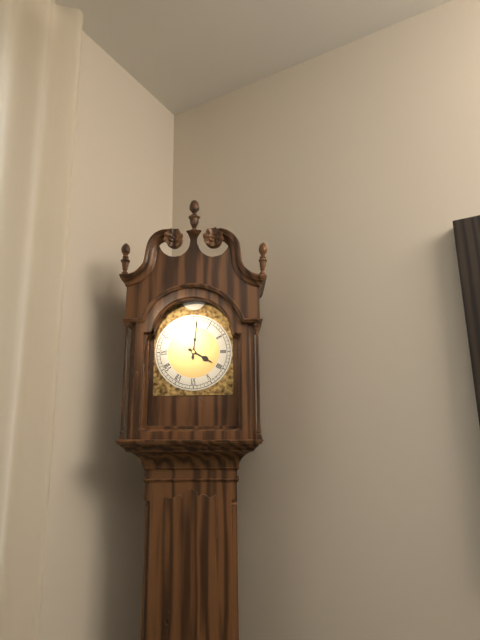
4:01
